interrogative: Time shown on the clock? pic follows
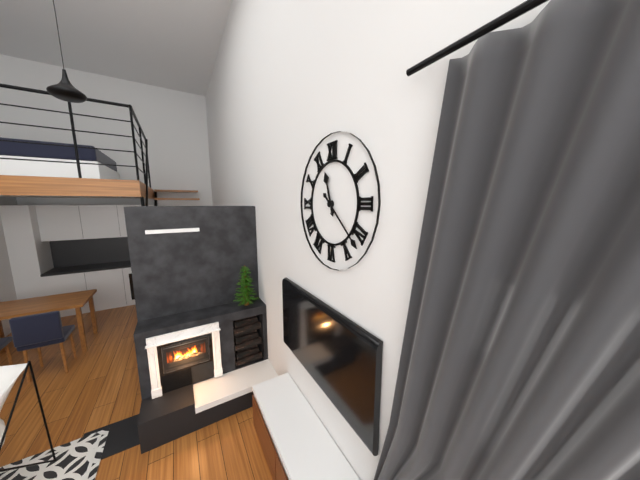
11:22
